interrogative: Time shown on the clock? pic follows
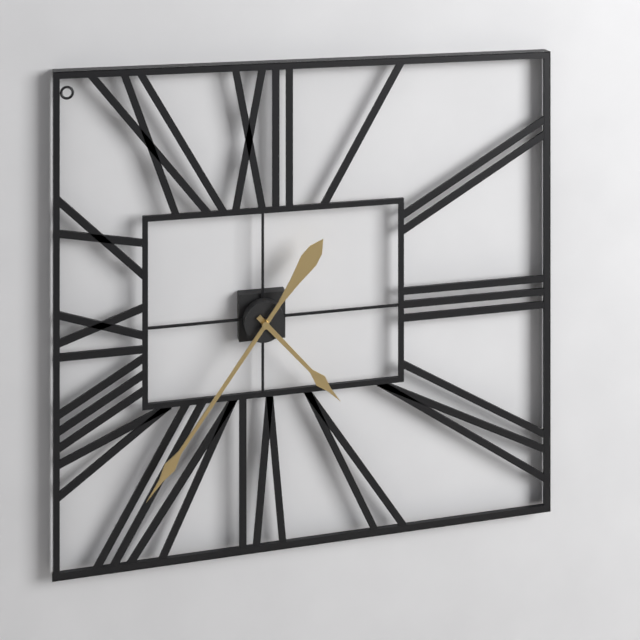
4:36
